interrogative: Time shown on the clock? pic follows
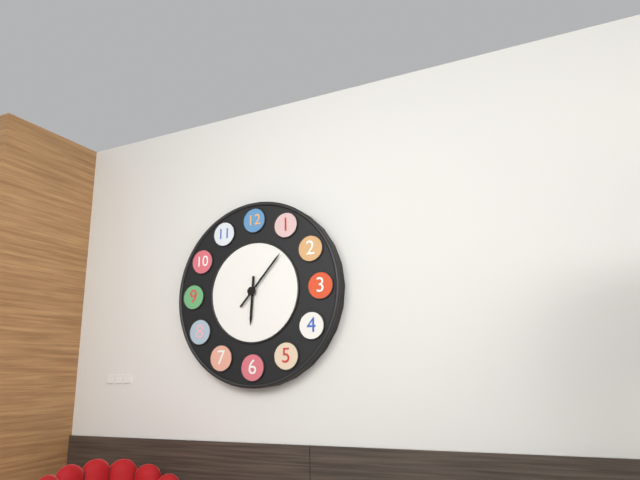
6:07
